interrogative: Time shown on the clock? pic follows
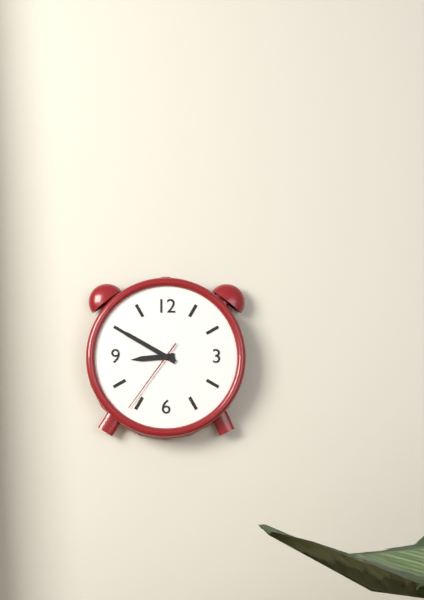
8:50:36
